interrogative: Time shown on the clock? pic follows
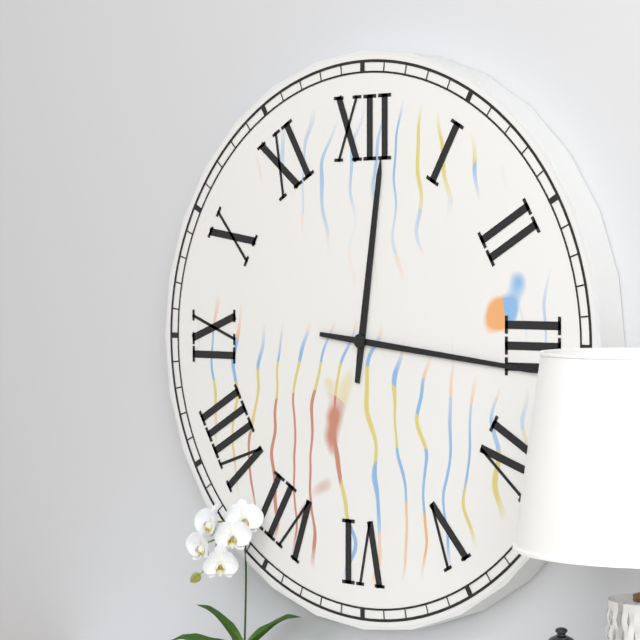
12:16
